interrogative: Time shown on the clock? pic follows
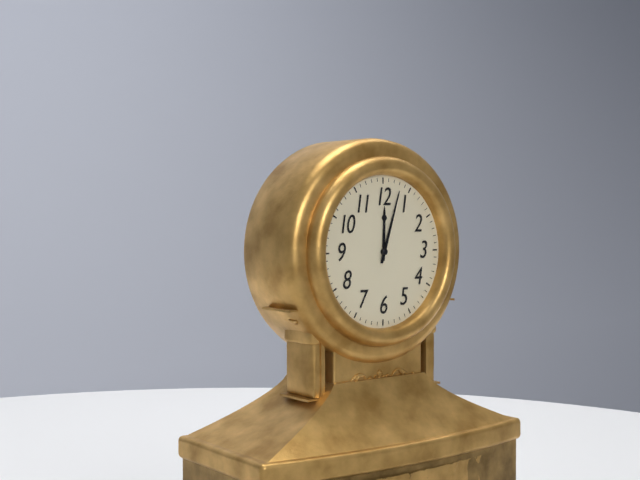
12:03
